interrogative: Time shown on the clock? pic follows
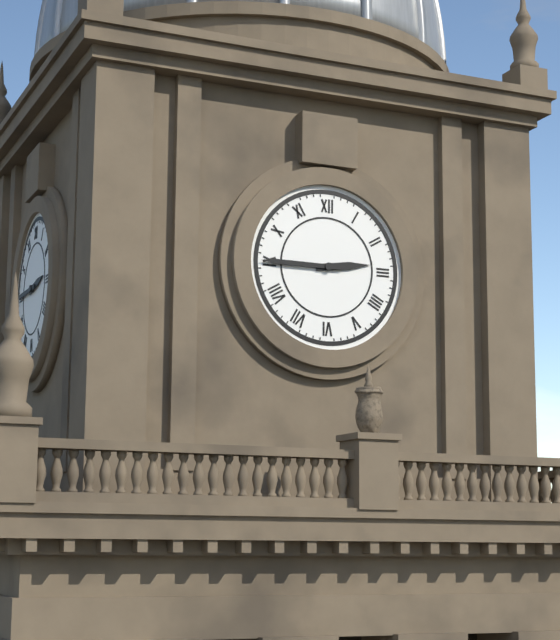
2:45
